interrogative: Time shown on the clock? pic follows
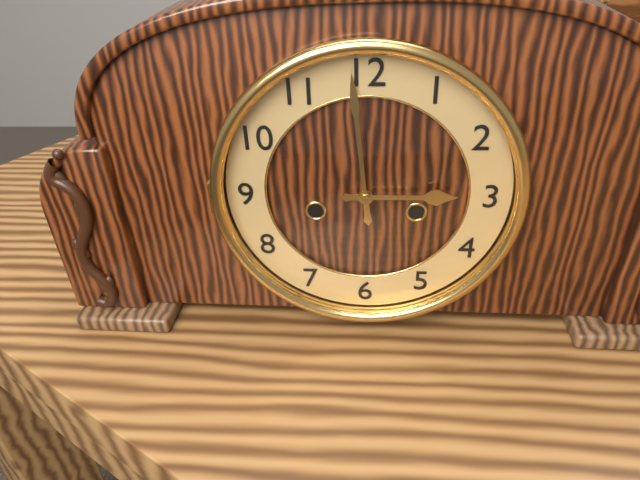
2:59
